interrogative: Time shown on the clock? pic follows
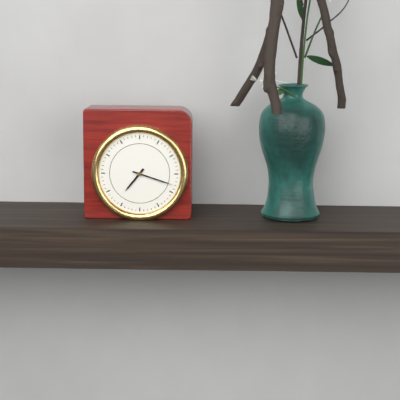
7:18
